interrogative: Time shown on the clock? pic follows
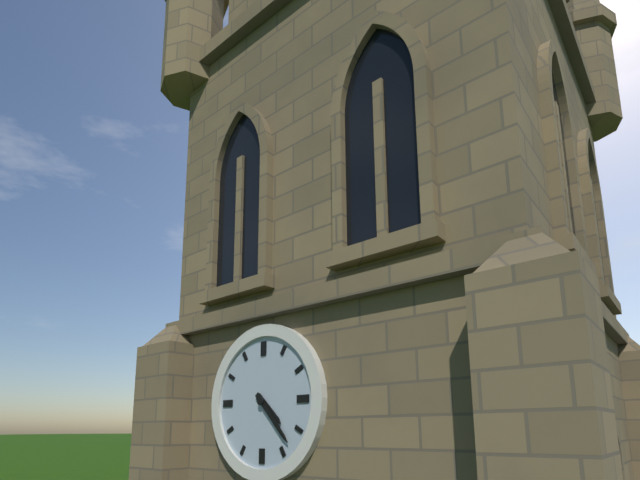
4:23
